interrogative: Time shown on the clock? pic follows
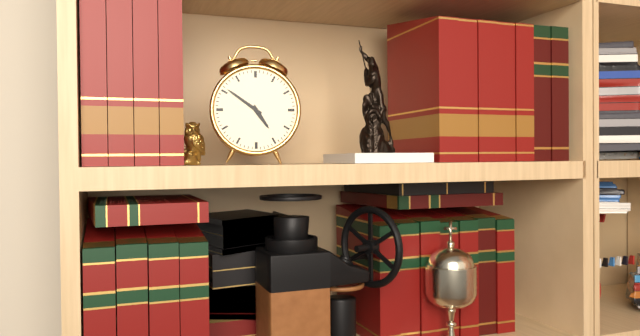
4:51
